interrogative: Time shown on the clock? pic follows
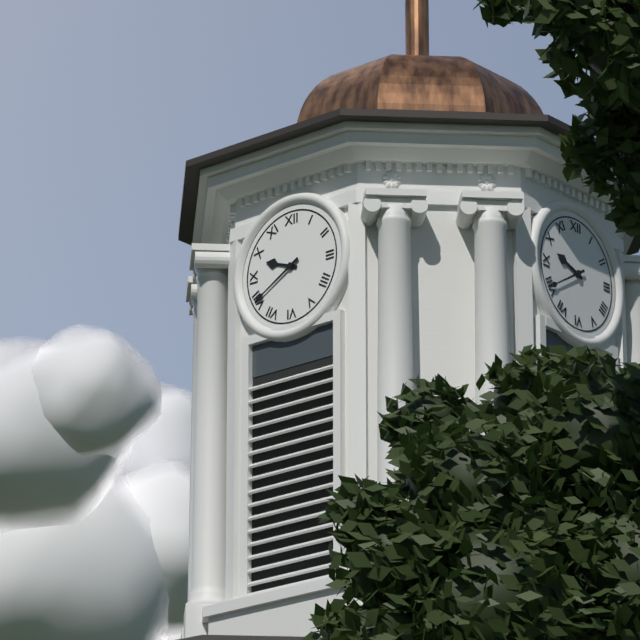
9:40
